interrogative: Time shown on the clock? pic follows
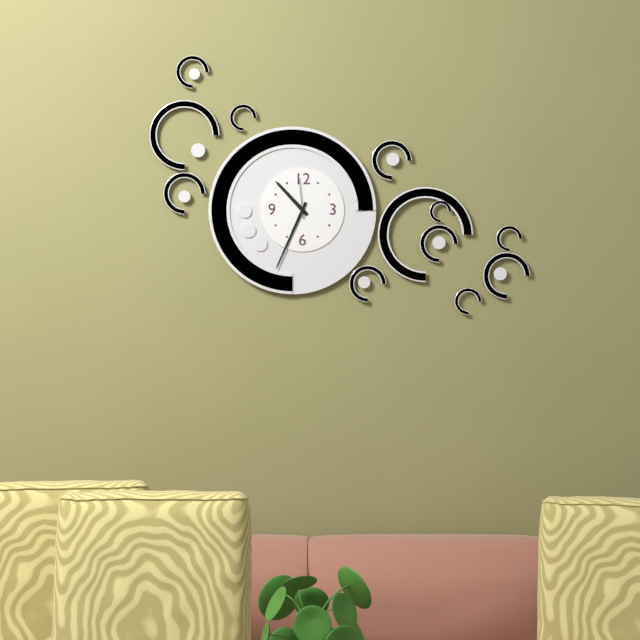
10:34
